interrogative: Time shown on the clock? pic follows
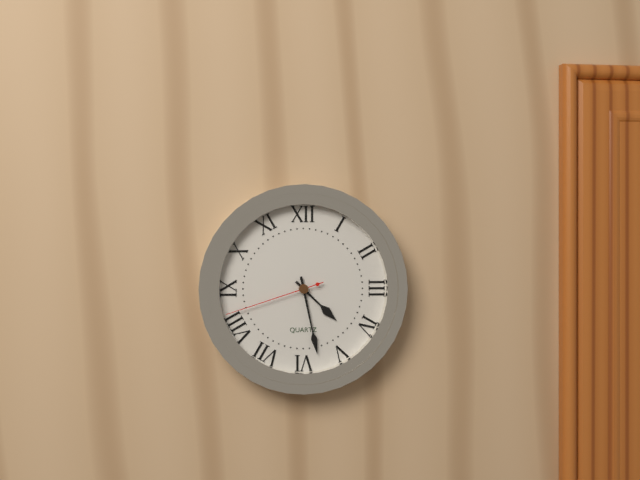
4:28:42
